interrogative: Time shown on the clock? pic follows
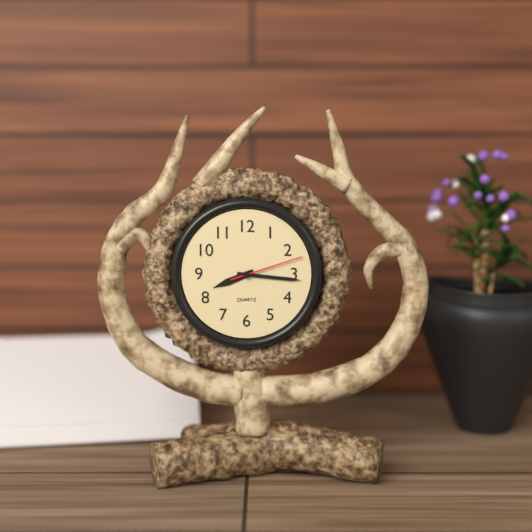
8:16:12
